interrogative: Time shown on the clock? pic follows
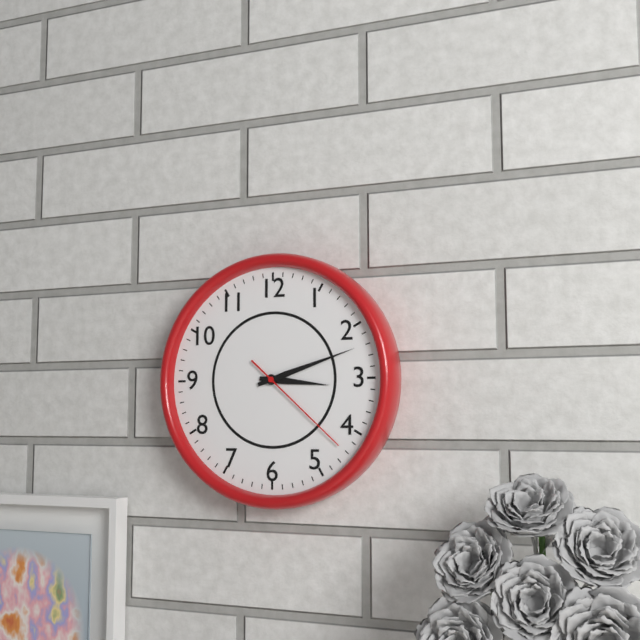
3:12:22
